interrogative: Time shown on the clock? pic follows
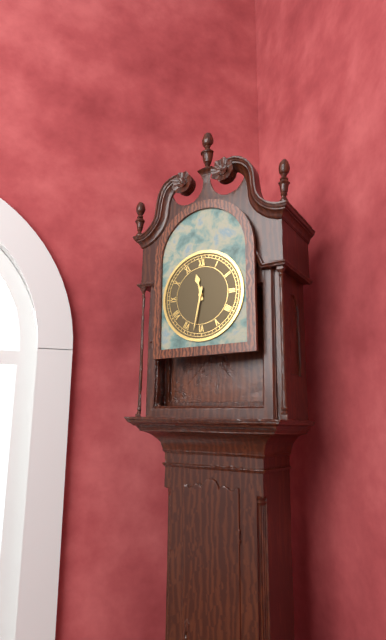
11:32
